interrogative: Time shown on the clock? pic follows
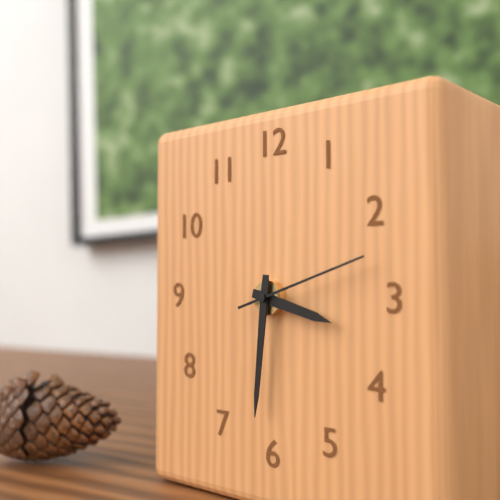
3:31:12
